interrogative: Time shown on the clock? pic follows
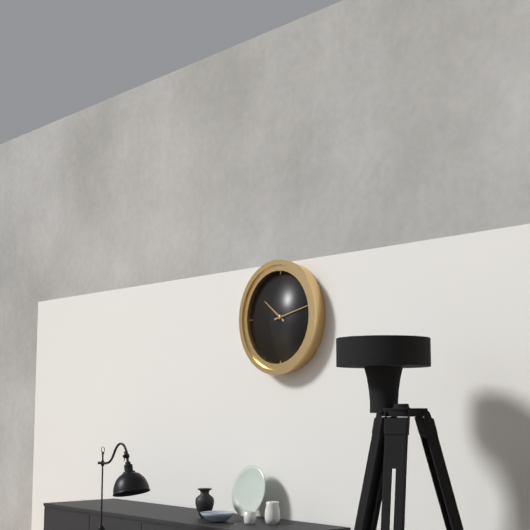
10:13
